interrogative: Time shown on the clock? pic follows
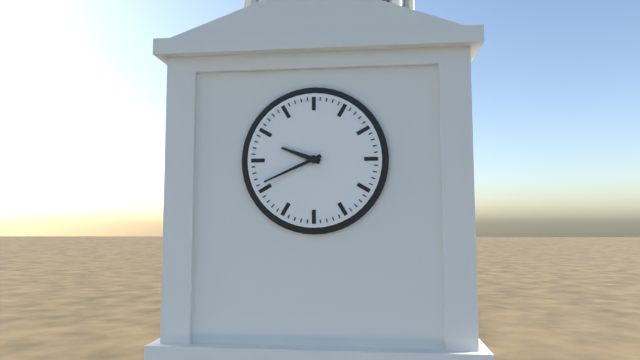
9:41
